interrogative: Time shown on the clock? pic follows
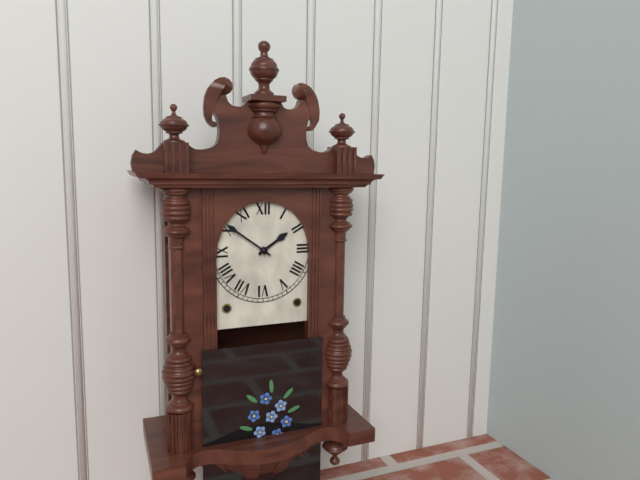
1:51
